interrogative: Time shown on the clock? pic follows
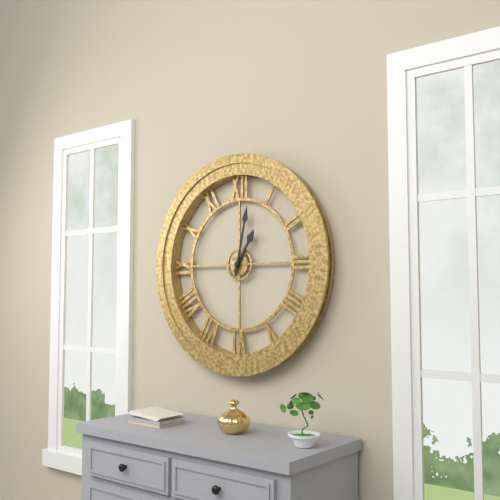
1:02
